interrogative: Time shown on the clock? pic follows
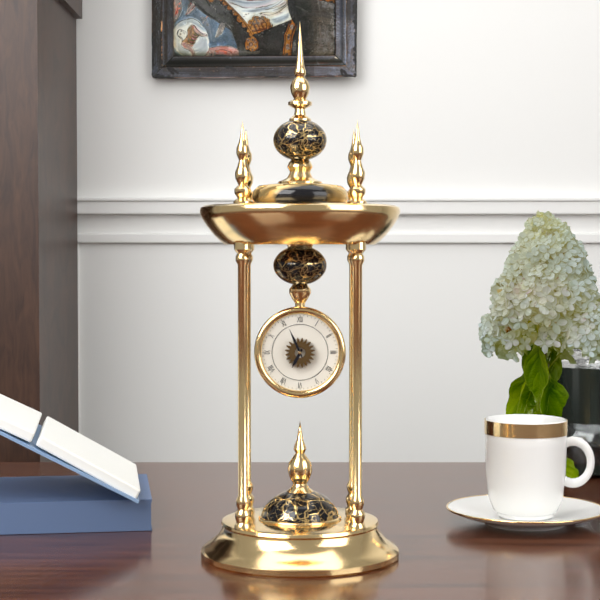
6:56
